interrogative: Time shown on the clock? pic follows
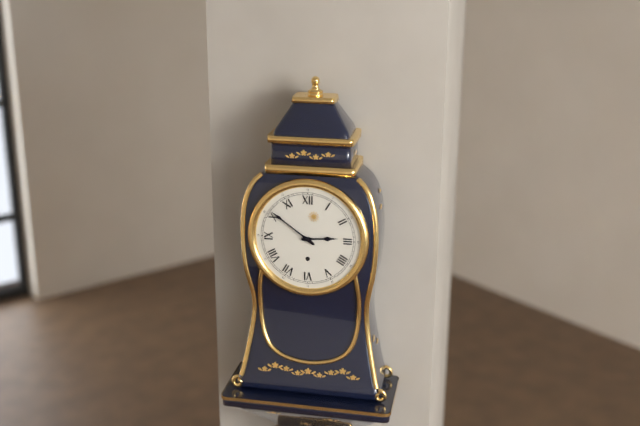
2:51
